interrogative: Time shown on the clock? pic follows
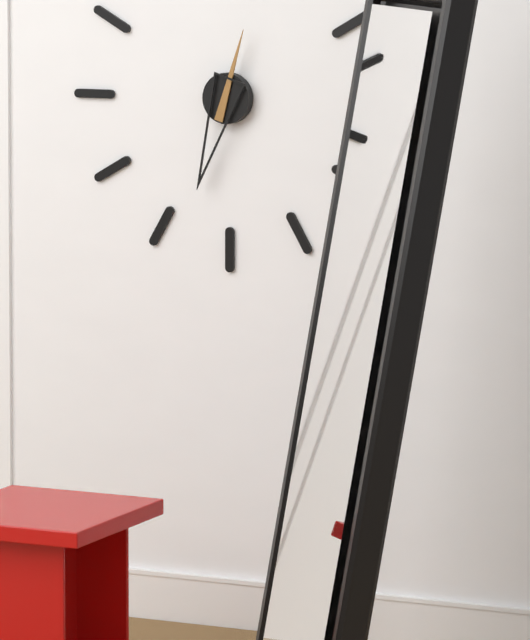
12:33
